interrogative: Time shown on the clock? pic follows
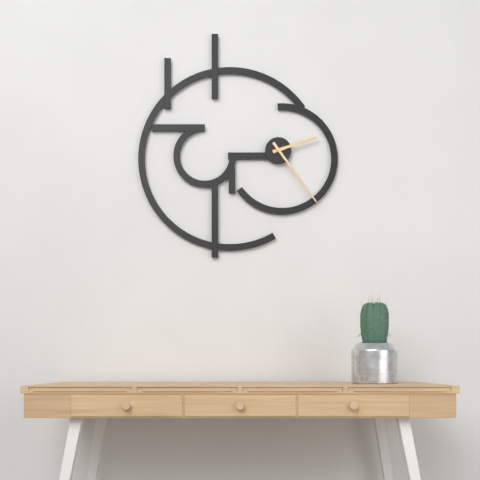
2:24
